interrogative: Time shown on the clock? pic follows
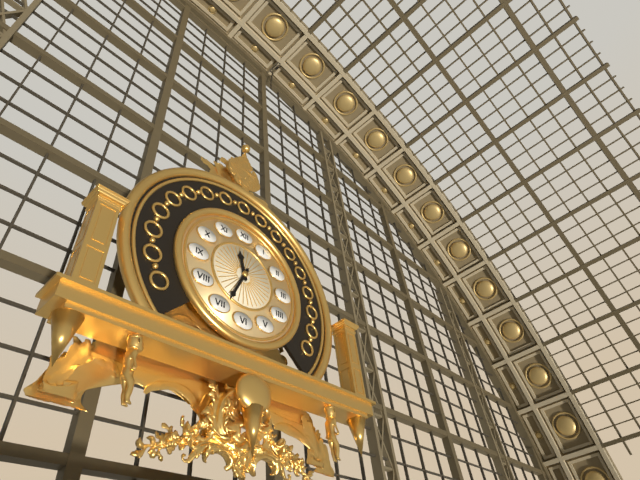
11:34
